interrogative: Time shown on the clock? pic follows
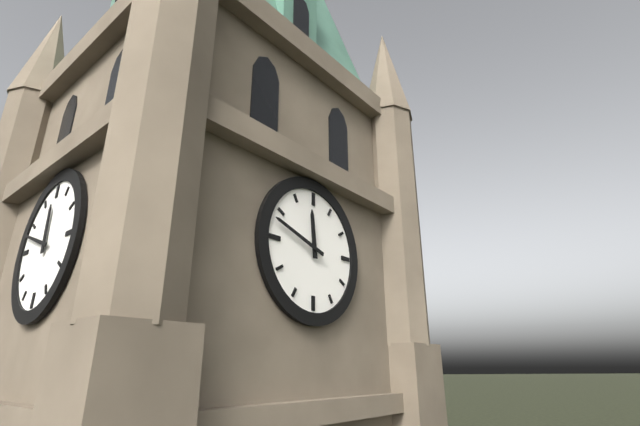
11:48
